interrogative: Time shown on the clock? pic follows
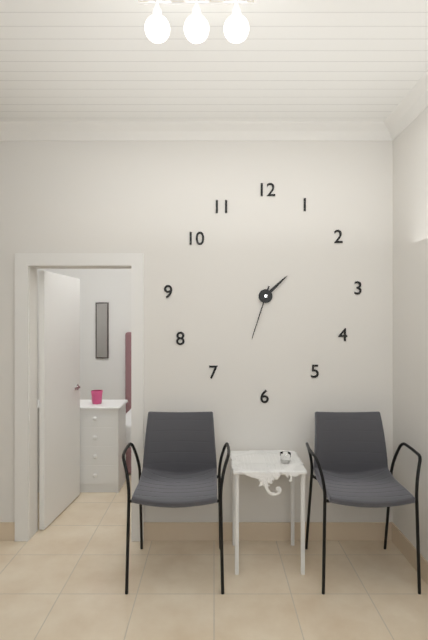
1:33
